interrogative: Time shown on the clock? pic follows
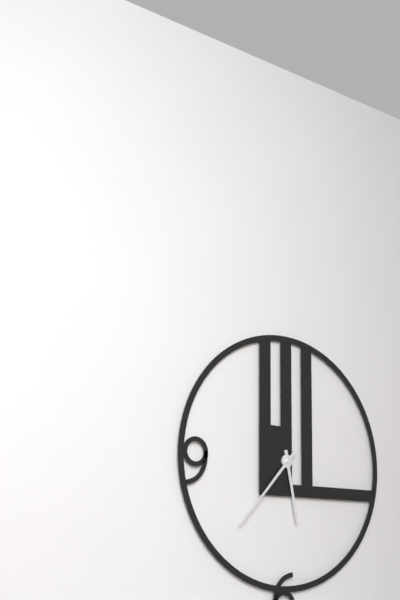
5:37
